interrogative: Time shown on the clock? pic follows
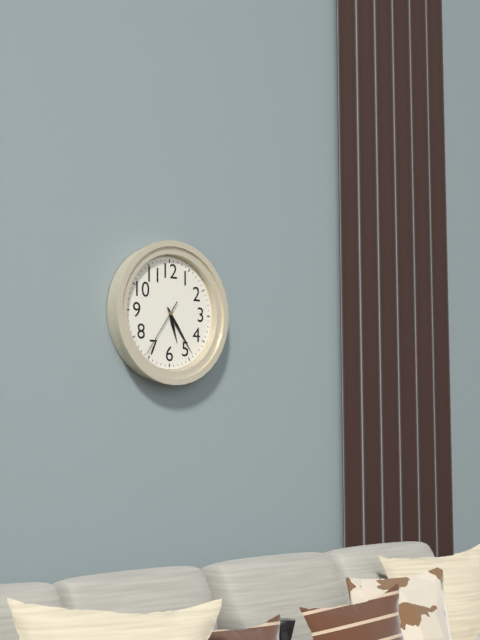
5:24:36
